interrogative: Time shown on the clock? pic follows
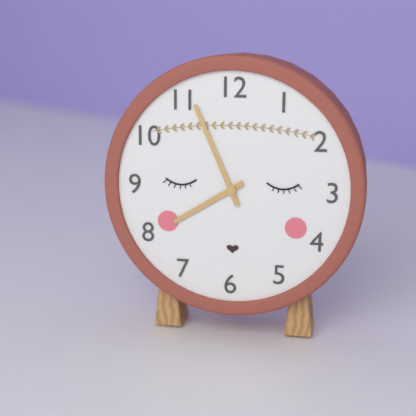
7:56
